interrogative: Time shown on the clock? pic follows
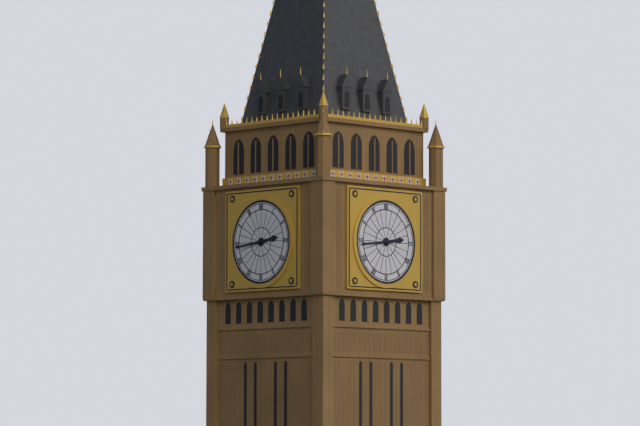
2:44
